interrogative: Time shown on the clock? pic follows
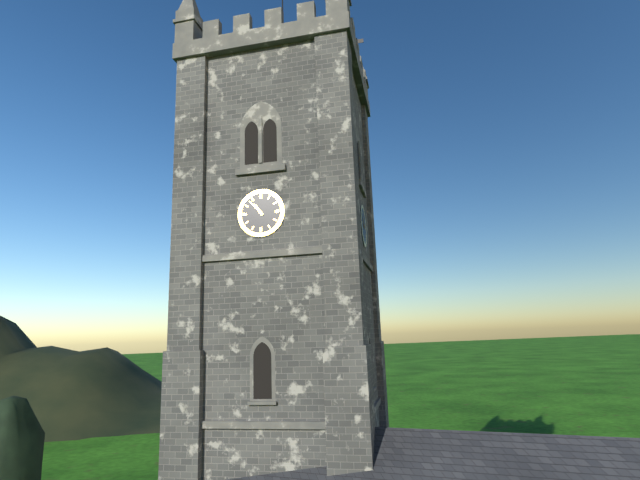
10:53
